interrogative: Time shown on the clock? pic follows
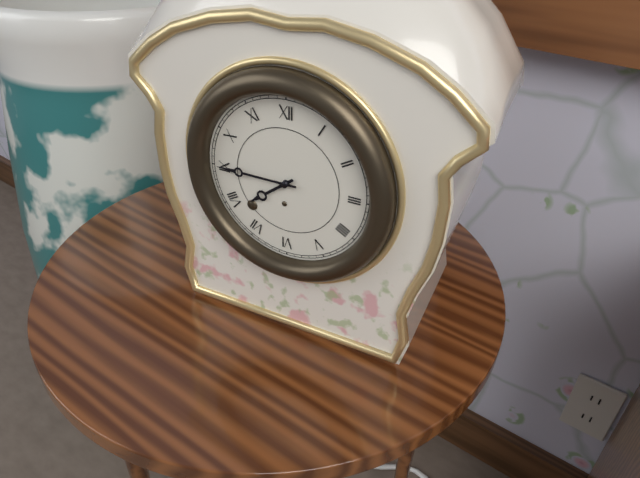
7:45
